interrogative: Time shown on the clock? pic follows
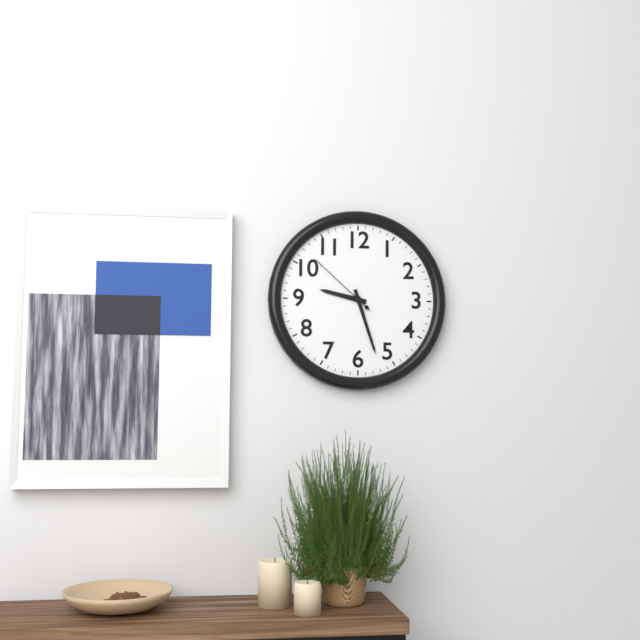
9:27:52
